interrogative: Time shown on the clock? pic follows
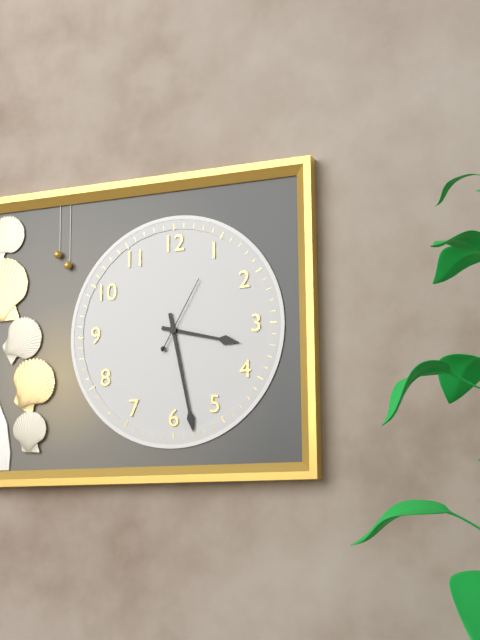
3:28:05
